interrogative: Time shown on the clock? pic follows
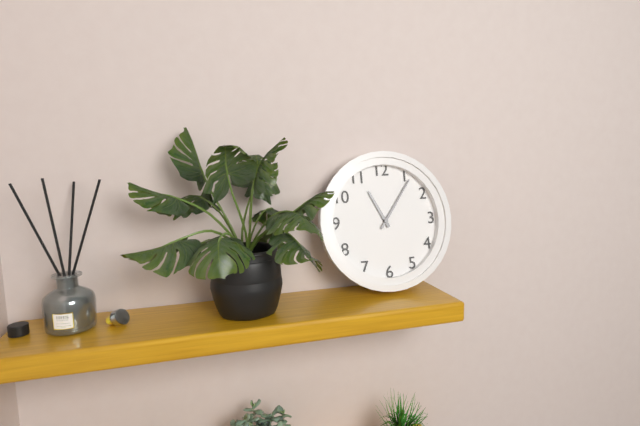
11:06
